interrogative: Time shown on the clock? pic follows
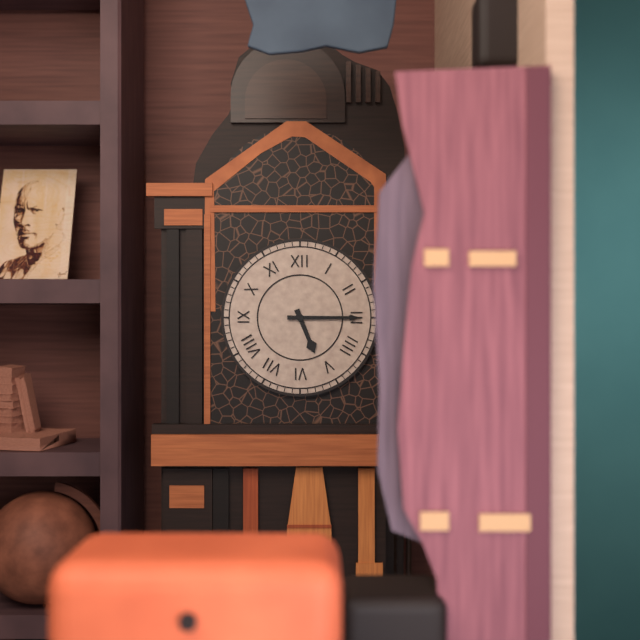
5:15
